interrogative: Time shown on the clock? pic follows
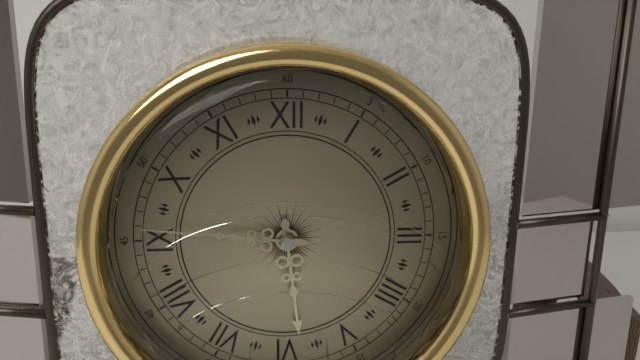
5:46
